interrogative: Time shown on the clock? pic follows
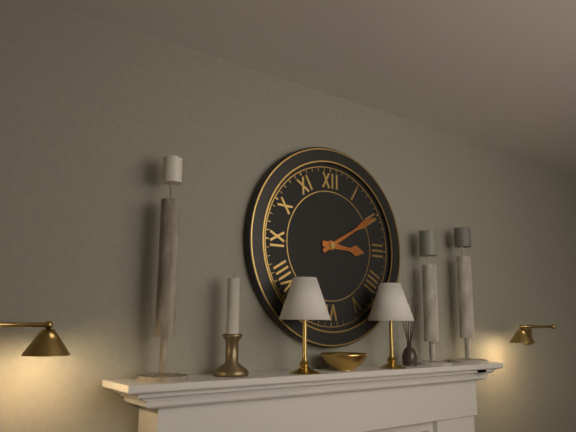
3:10
